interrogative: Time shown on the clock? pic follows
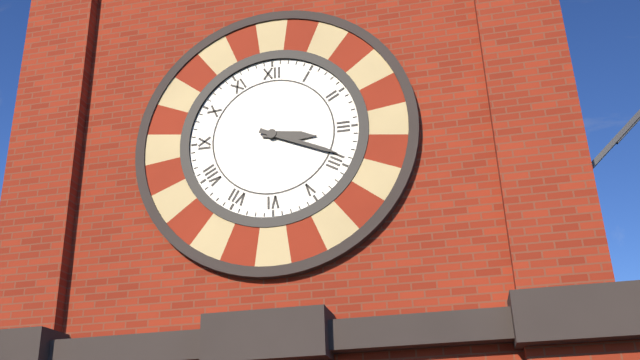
3:19
